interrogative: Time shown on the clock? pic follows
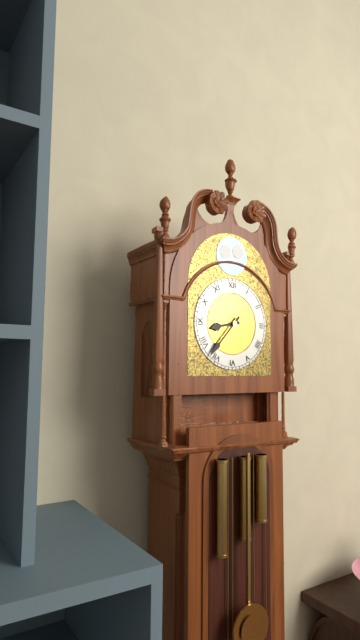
8:37
